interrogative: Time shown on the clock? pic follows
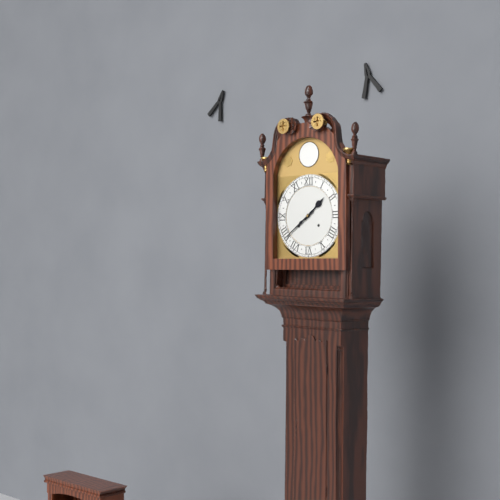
1:39
